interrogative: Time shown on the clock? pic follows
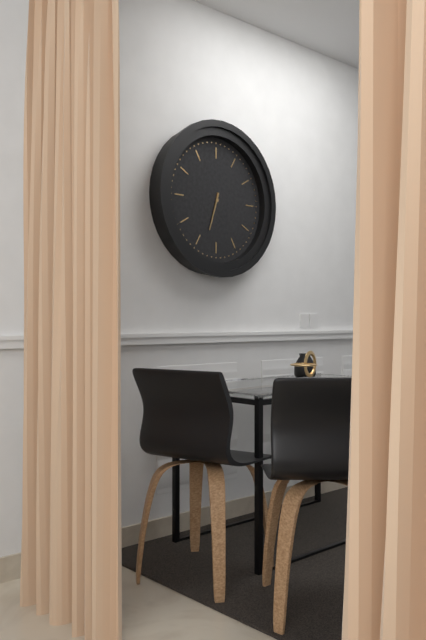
6:33
